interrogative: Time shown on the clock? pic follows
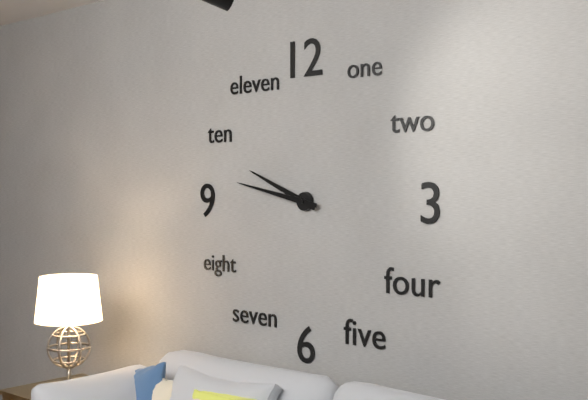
9:47
